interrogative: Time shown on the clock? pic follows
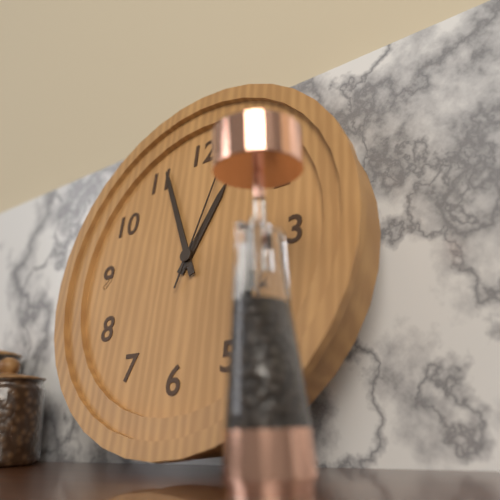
12:56
